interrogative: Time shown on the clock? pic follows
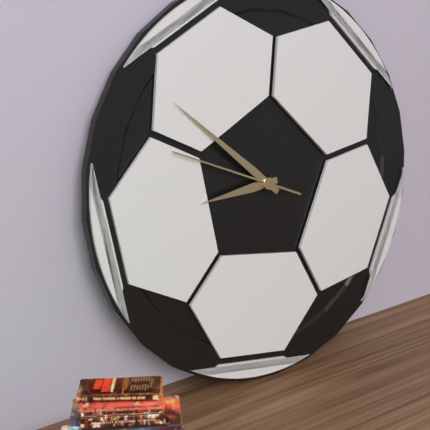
8:52:49
